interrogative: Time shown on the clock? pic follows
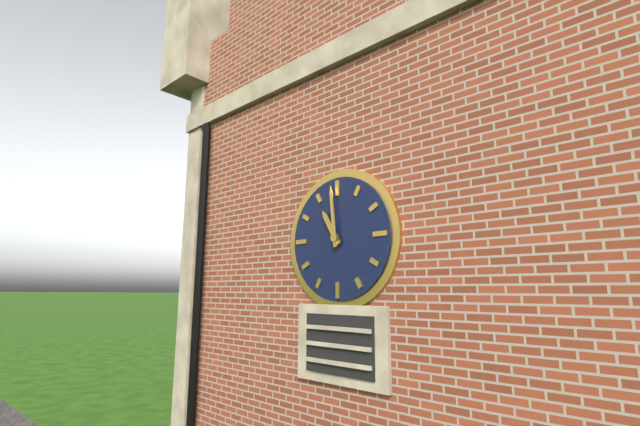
10:59
